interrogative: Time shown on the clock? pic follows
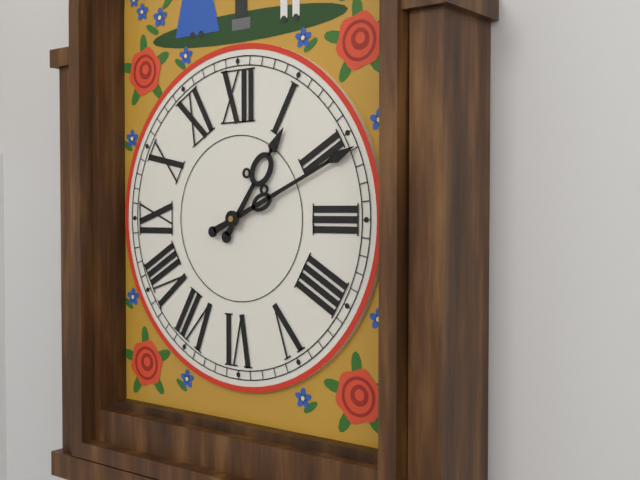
1:11
